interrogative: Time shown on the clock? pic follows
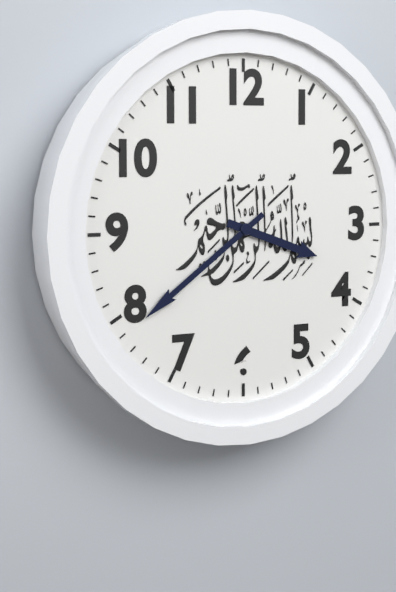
3:39
